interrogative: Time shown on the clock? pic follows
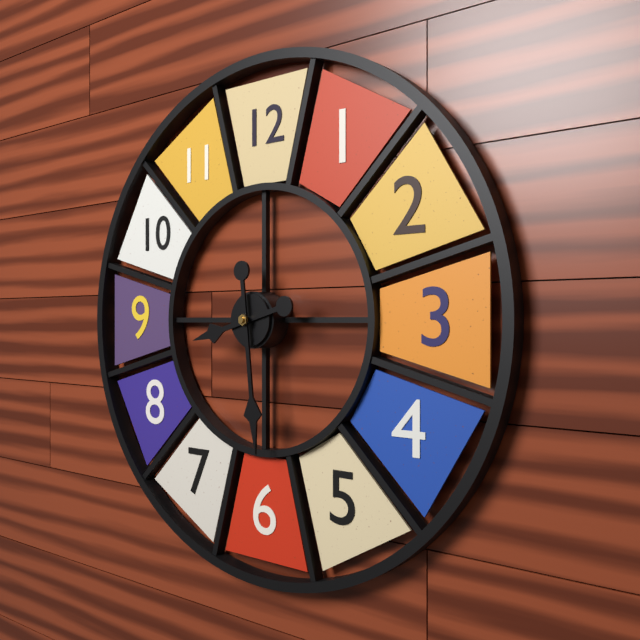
8:29
